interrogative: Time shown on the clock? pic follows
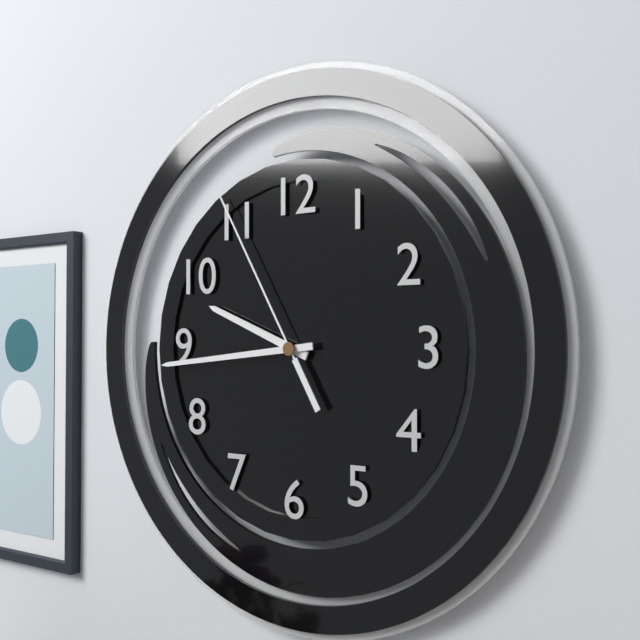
9:44:55
